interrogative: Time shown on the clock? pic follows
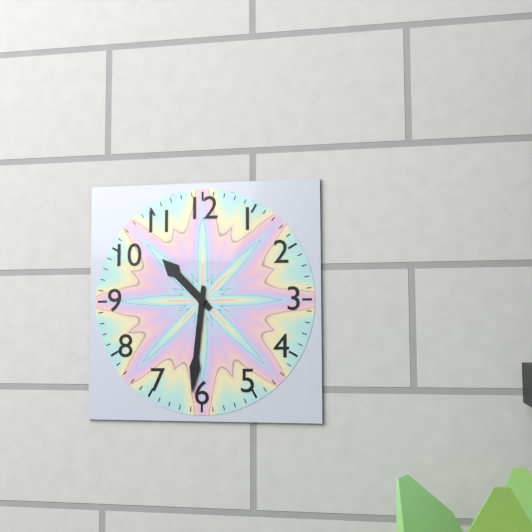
10:31
